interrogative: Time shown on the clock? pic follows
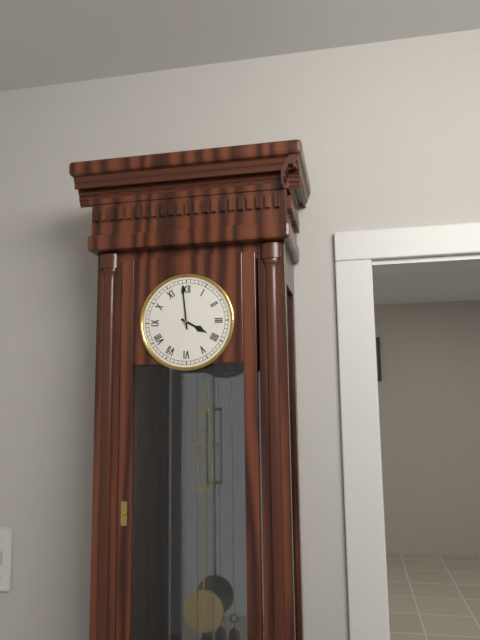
3:59
